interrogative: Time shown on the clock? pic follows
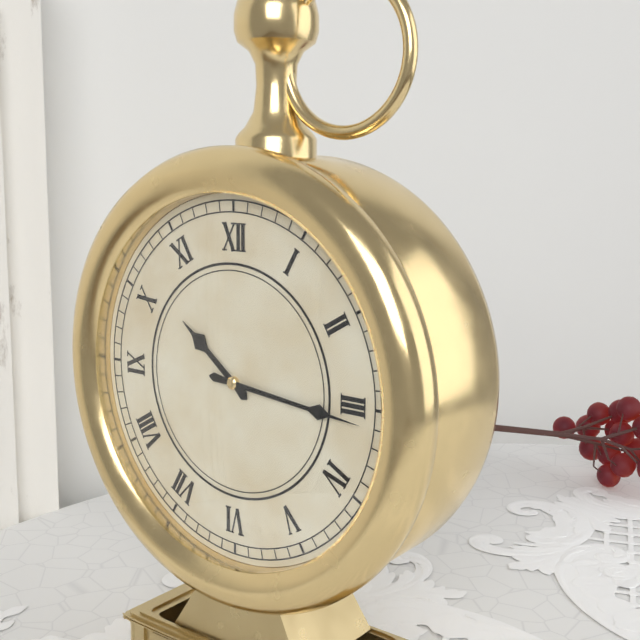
10:16
